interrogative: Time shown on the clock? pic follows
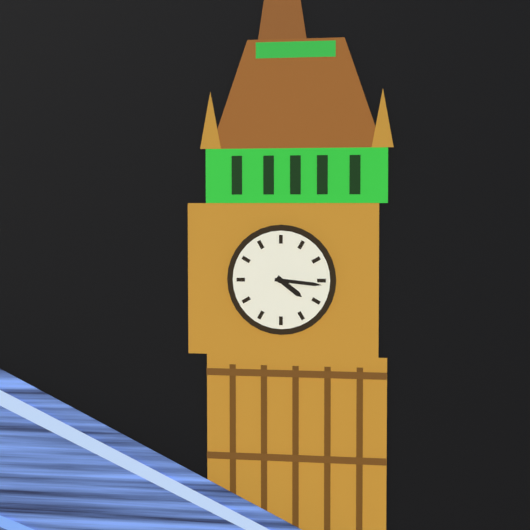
4:16
